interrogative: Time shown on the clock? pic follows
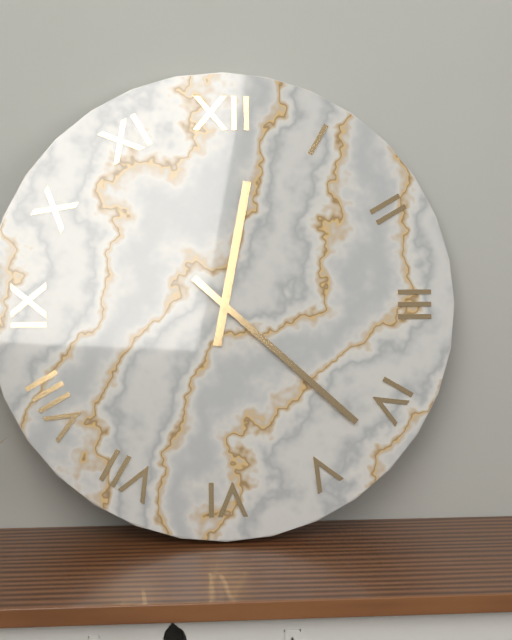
12:22
